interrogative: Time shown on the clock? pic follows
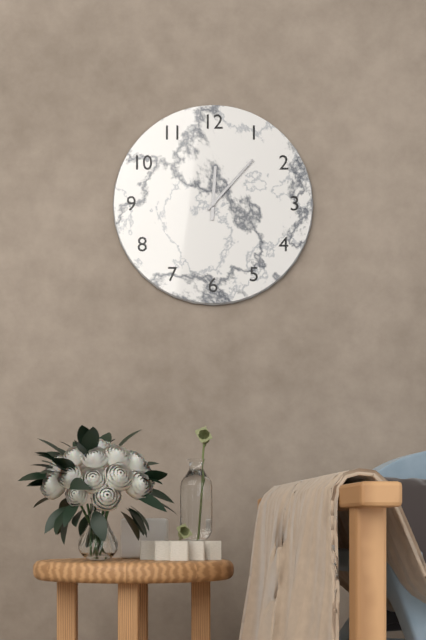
12:07
